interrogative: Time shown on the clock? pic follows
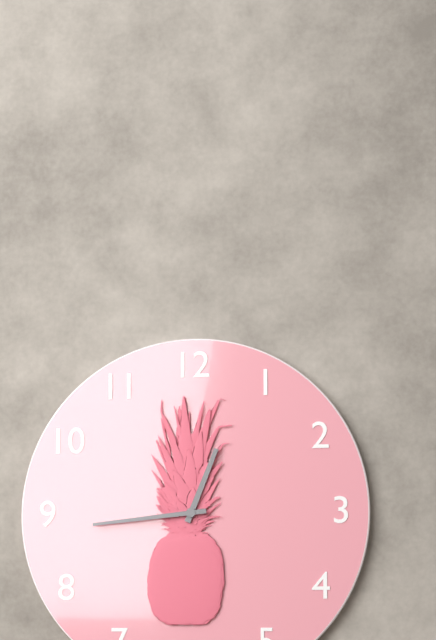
12:44
